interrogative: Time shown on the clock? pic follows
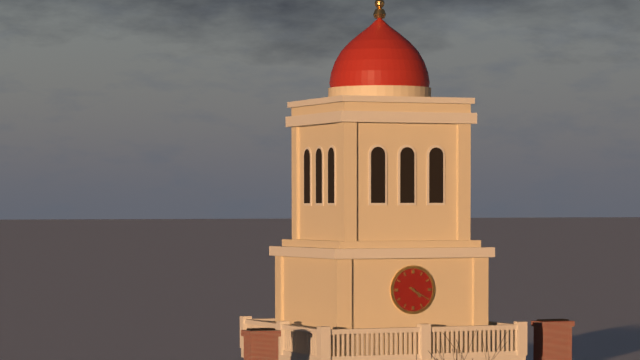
4:20
